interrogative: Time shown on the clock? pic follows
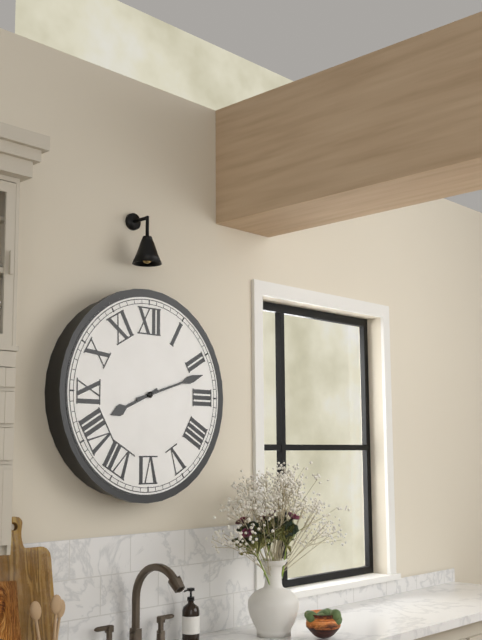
8:12
